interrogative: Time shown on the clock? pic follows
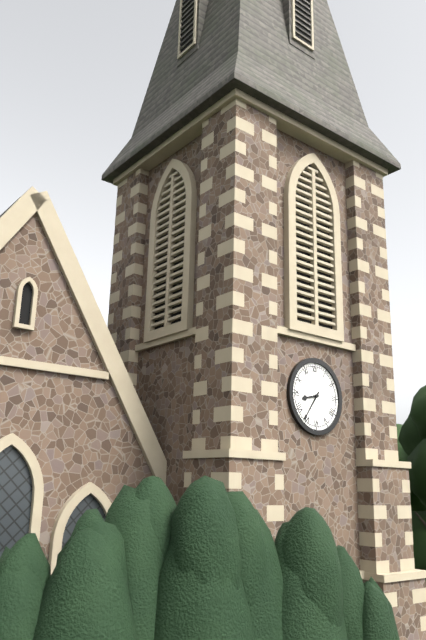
8:36
